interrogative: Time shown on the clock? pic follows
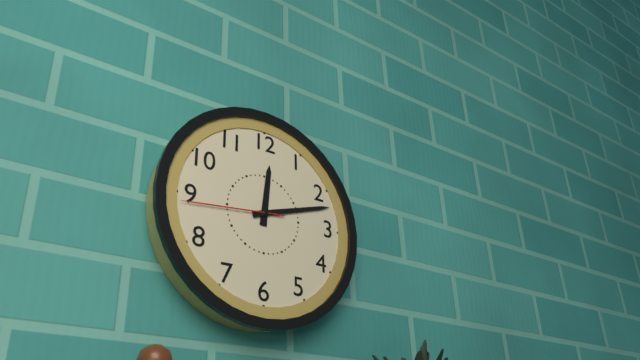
12:12:44
